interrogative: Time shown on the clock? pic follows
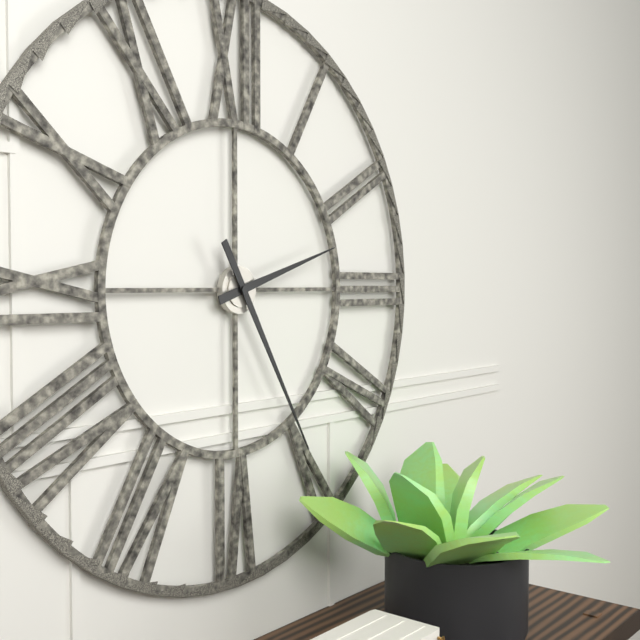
2:25
